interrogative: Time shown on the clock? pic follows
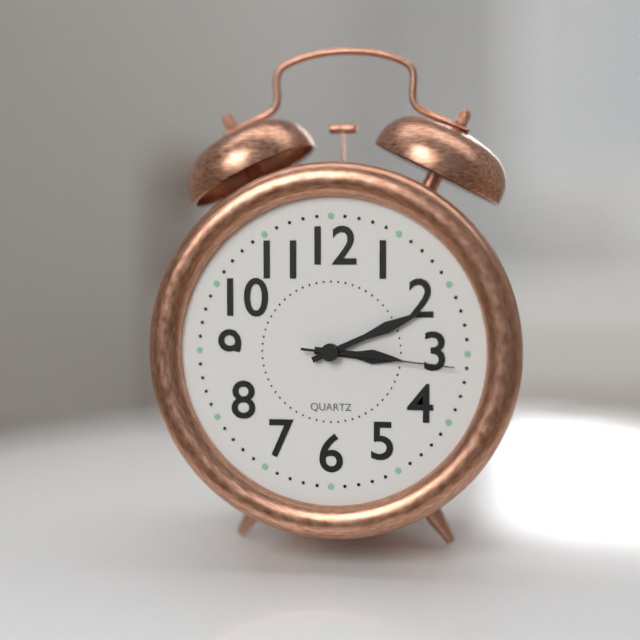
3:11:16
